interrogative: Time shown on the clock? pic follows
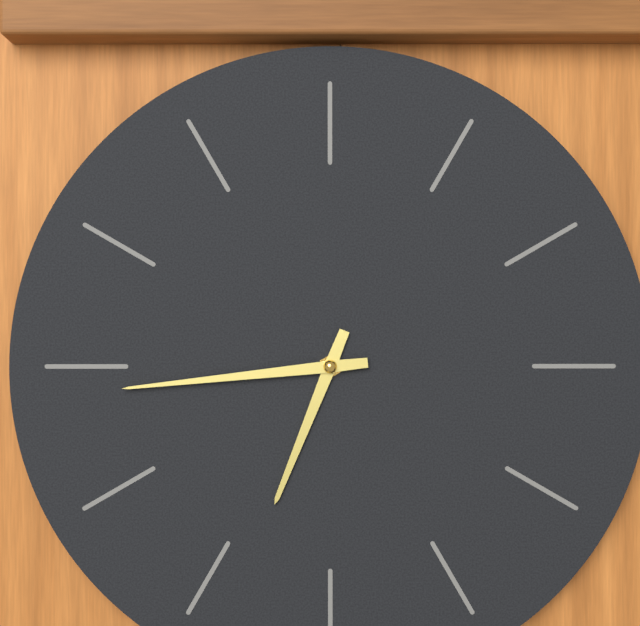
6:44
